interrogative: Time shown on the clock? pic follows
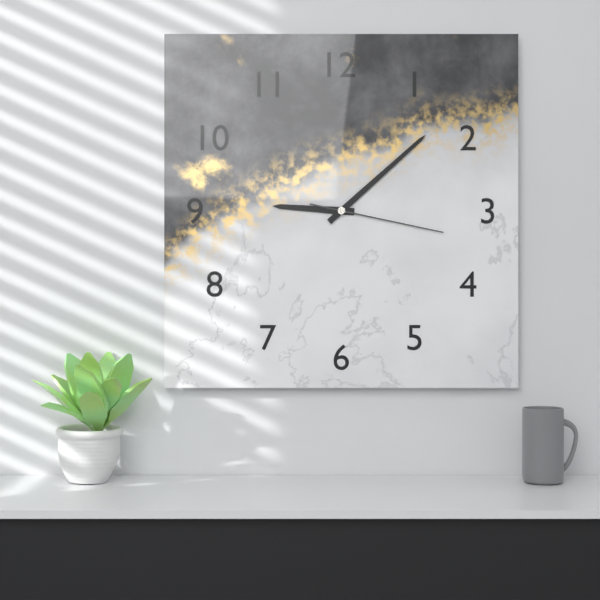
9:08:17
